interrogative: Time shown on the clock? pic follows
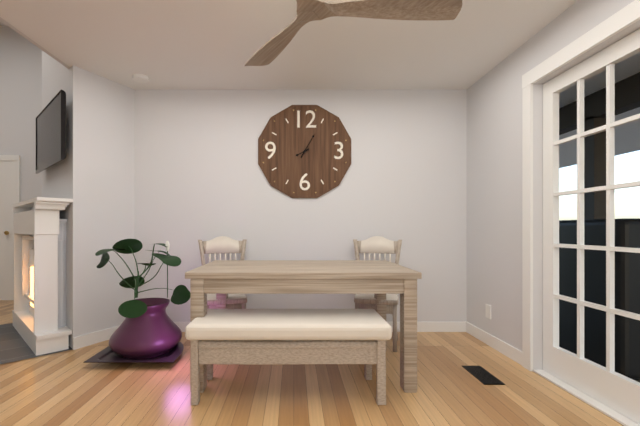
8:05
